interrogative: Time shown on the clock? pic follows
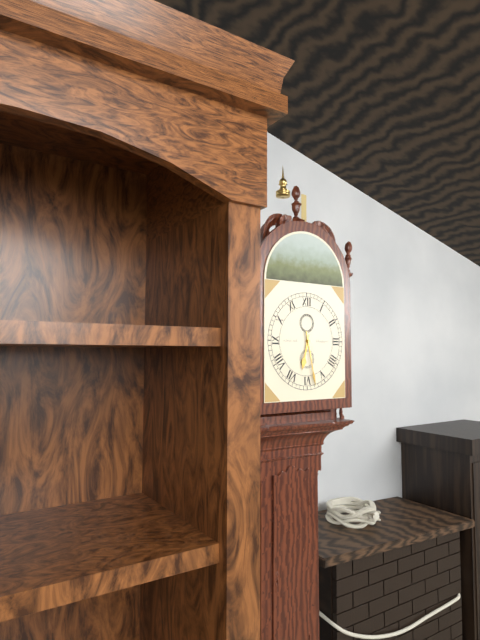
6:28
